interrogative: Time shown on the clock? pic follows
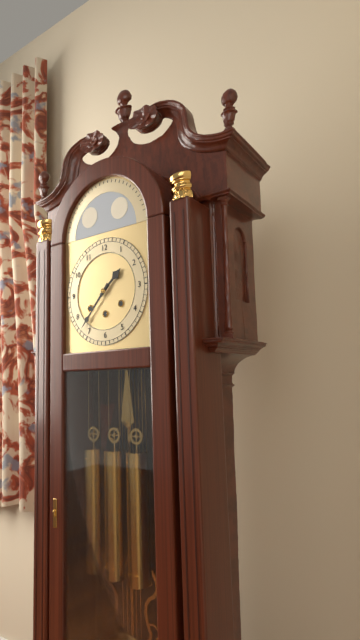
1:37
